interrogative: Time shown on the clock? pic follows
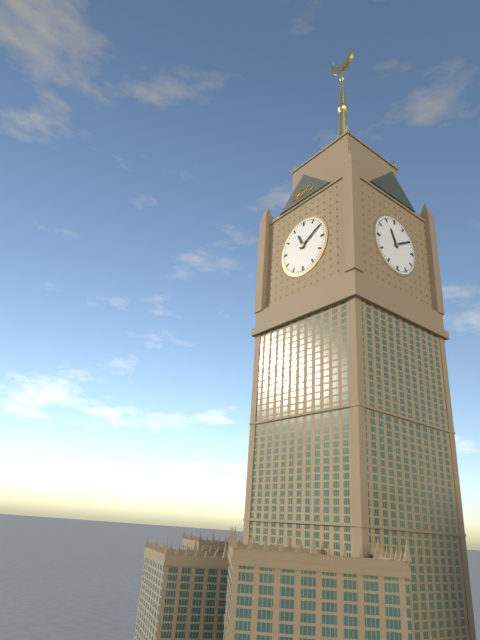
11:10
